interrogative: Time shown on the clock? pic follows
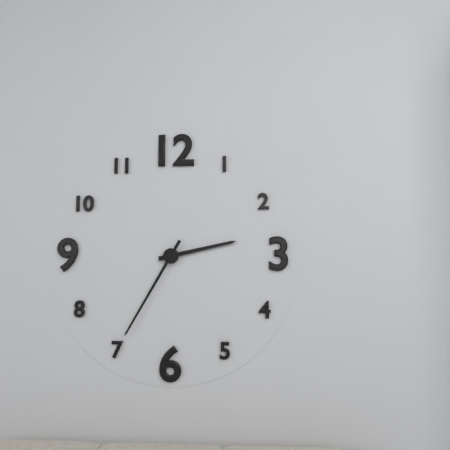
2:35
